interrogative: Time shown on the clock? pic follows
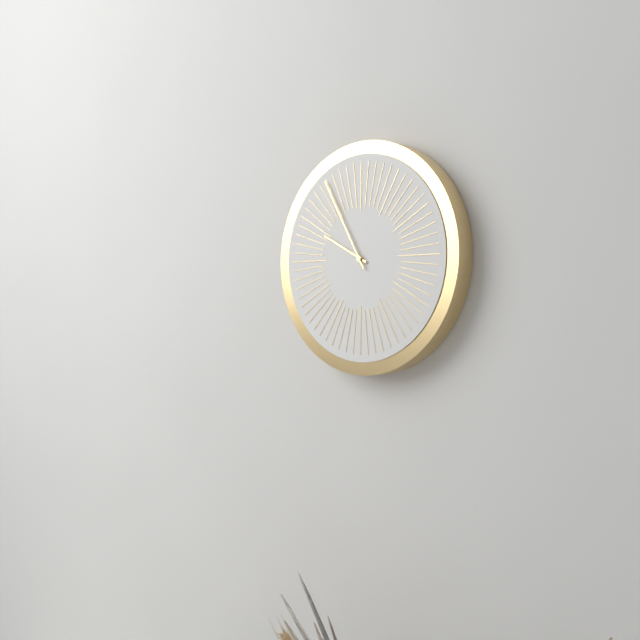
9:55
